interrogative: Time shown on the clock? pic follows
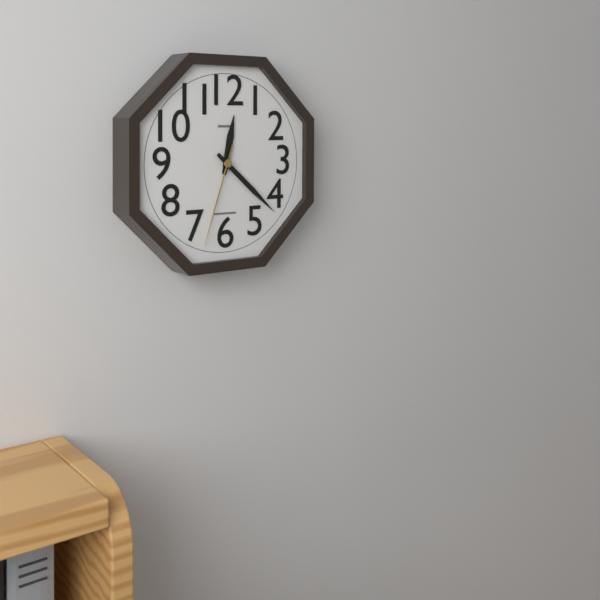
12:22:33
